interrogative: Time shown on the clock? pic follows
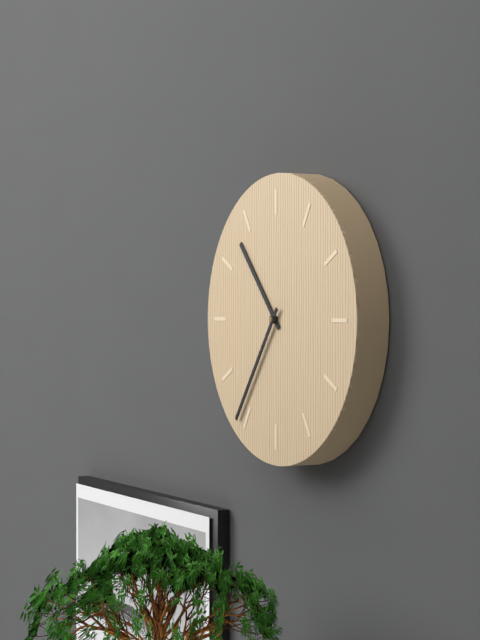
10:36
